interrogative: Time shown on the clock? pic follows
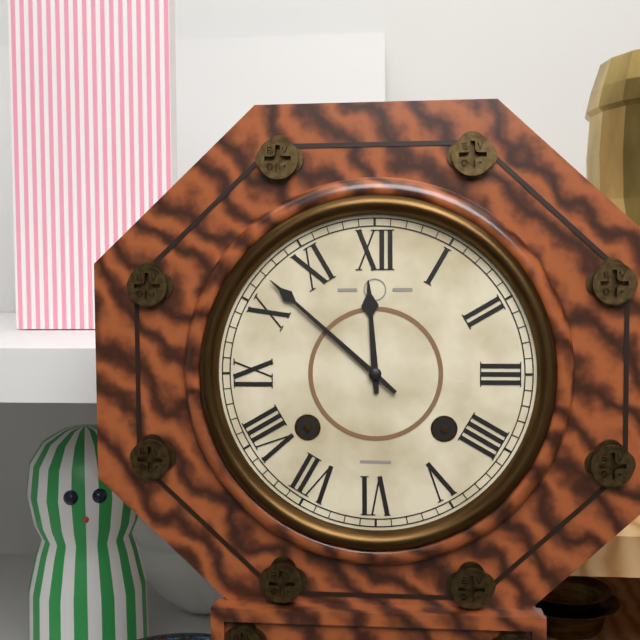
11:52
